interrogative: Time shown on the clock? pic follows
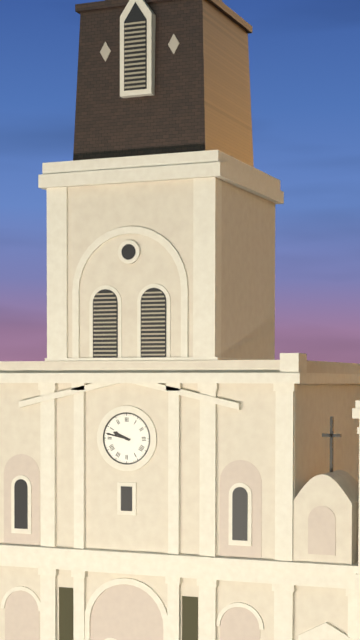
9:47
